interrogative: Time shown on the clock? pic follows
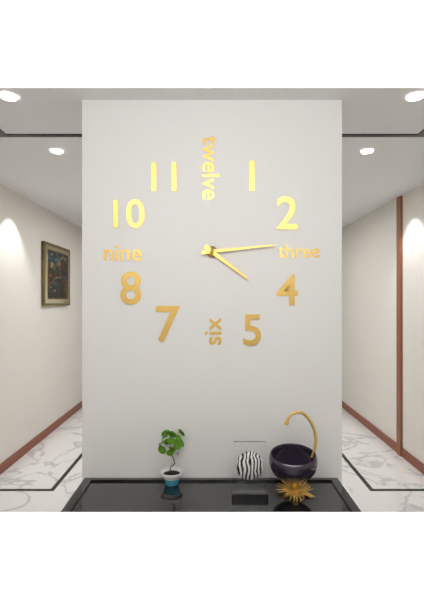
4:14
